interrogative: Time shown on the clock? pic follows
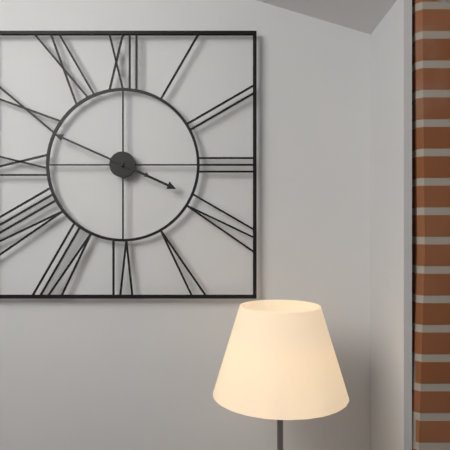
3:49
